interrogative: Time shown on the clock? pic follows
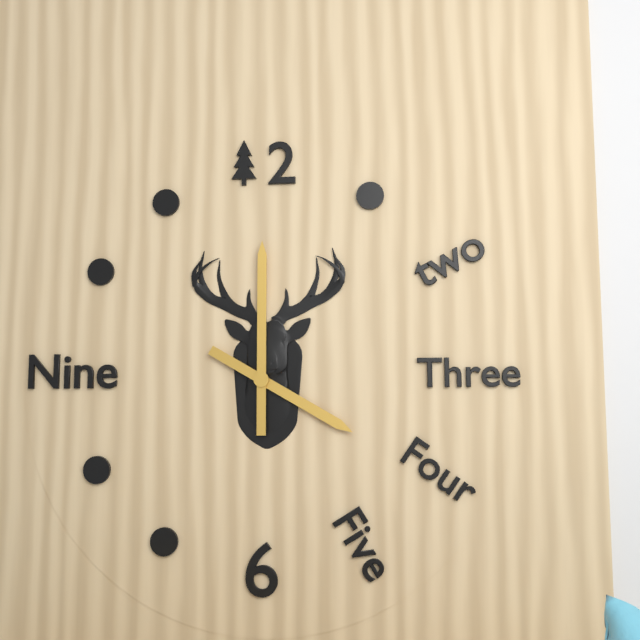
4:00
